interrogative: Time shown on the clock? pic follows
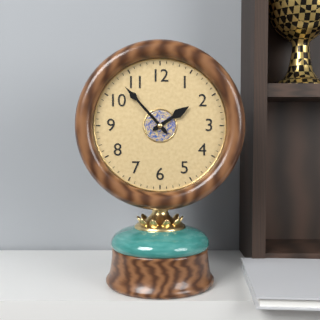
1:53
